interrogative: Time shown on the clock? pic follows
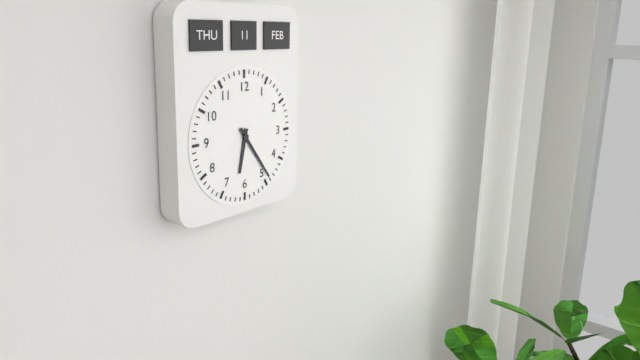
6:24
